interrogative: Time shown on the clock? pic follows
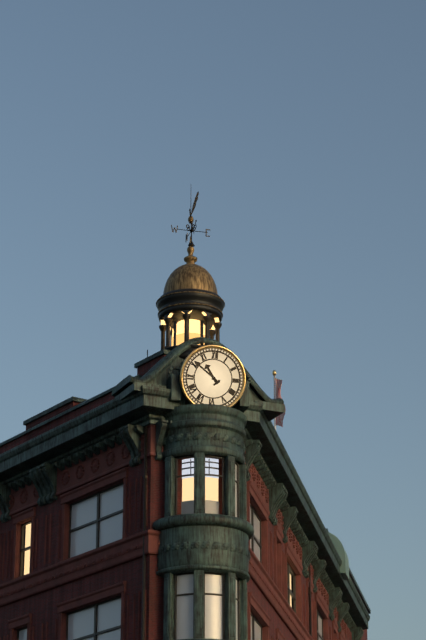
10:51
